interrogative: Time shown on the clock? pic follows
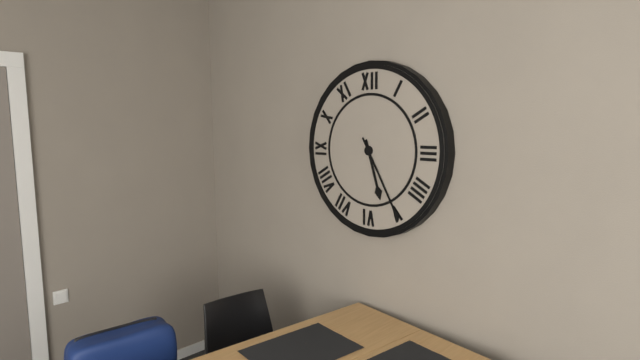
5:25
